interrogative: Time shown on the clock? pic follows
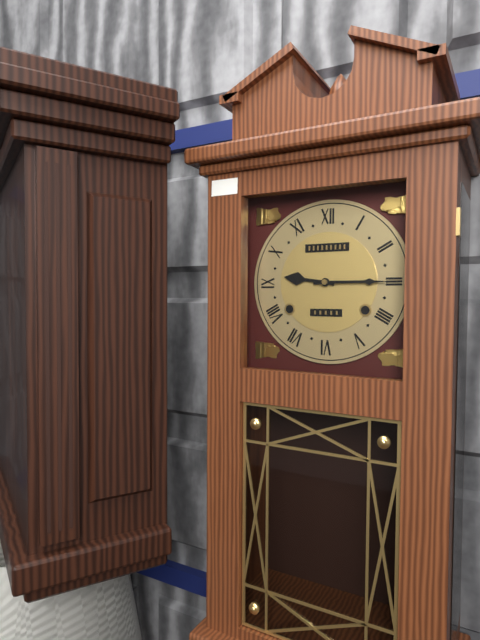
9:15
